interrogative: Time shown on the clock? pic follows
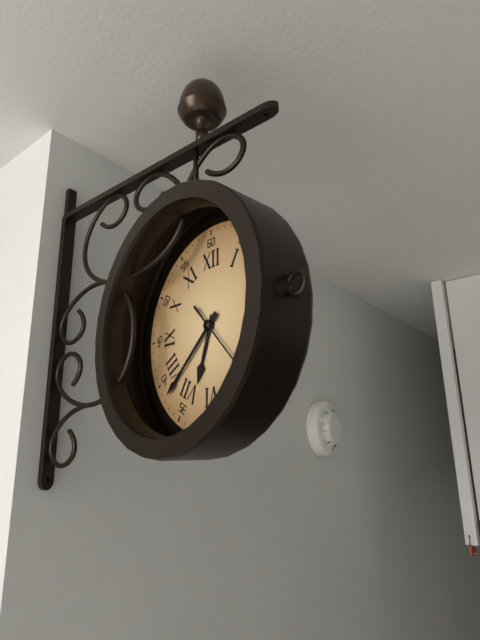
6:38
